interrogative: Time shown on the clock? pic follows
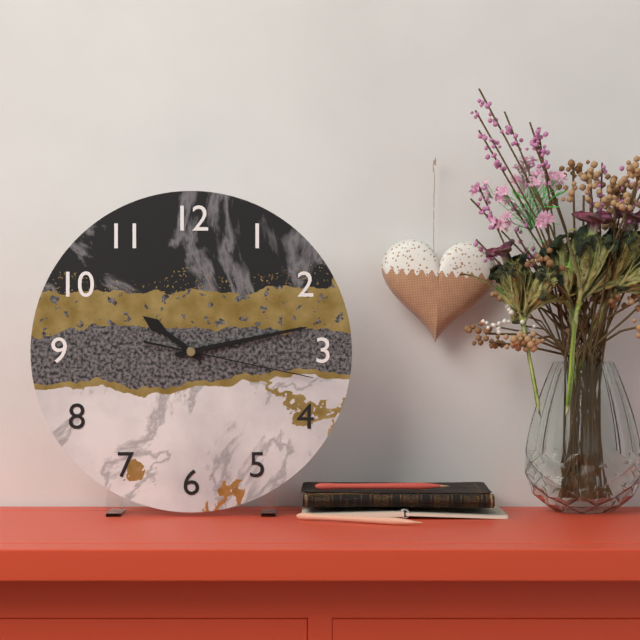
10:13:17
